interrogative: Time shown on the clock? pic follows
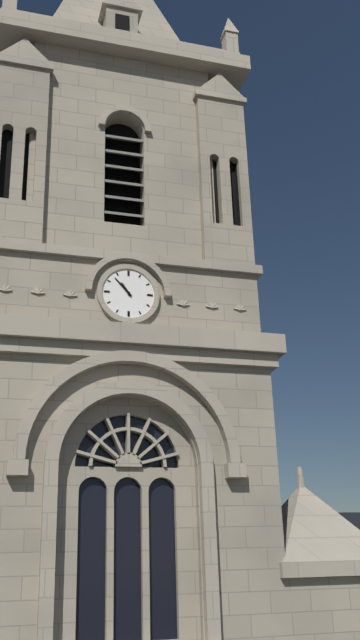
10:53
